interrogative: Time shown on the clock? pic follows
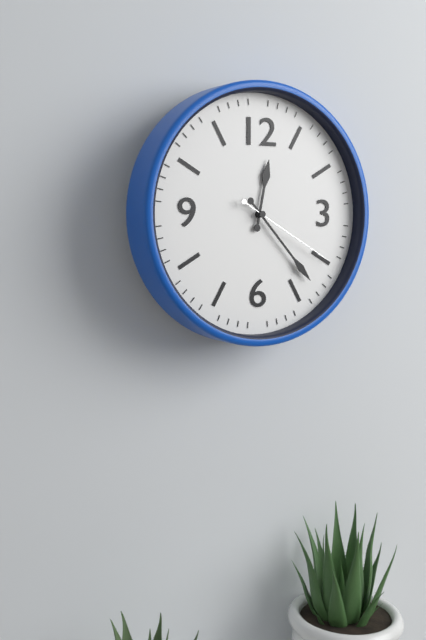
12:23:20
